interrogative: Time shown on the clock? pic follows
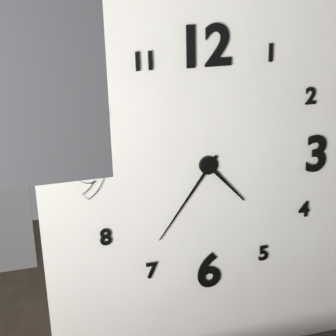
4:36
